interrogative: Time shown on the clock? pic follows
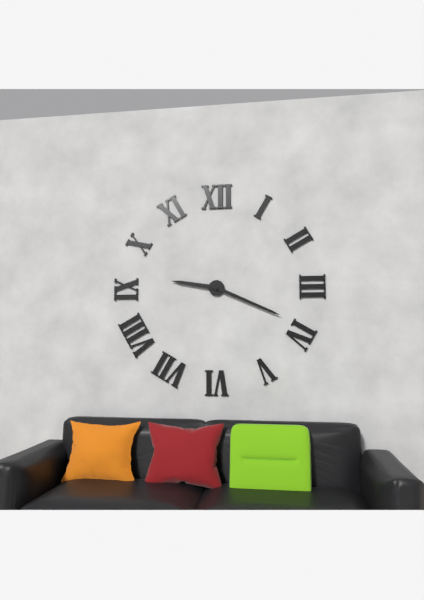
9:19
